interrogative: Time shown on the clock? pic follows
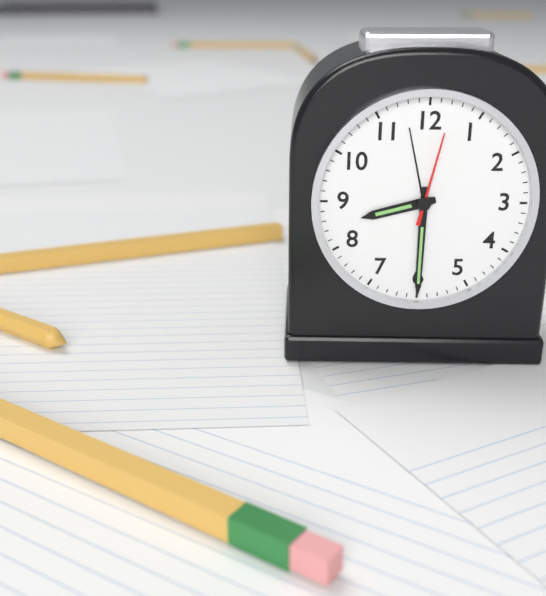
8:30:02
